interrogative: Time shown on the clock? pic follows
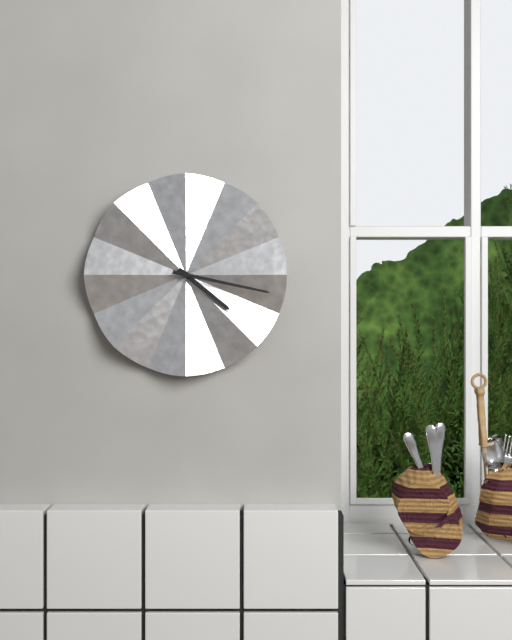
4:17
